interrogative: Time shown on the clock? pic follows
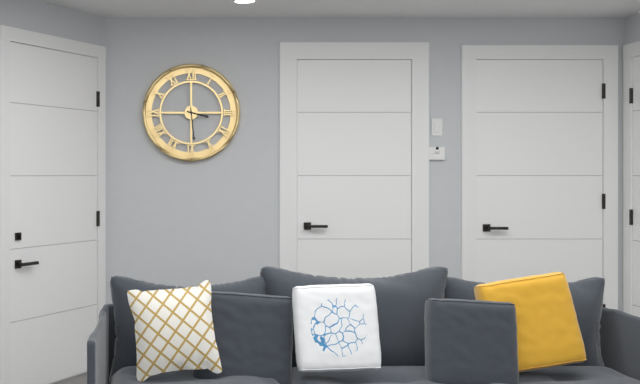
3:29
